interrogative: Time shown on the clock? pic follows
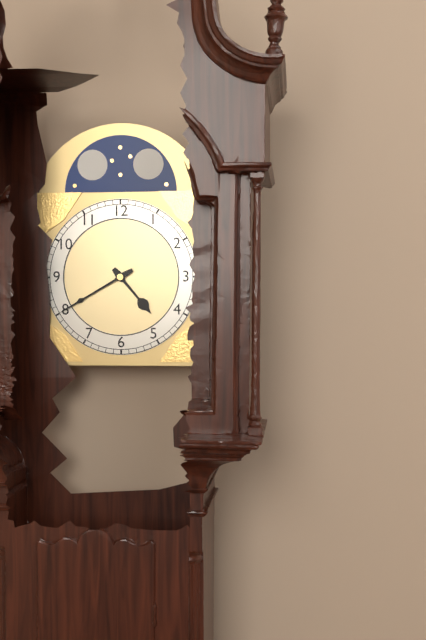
4:40
